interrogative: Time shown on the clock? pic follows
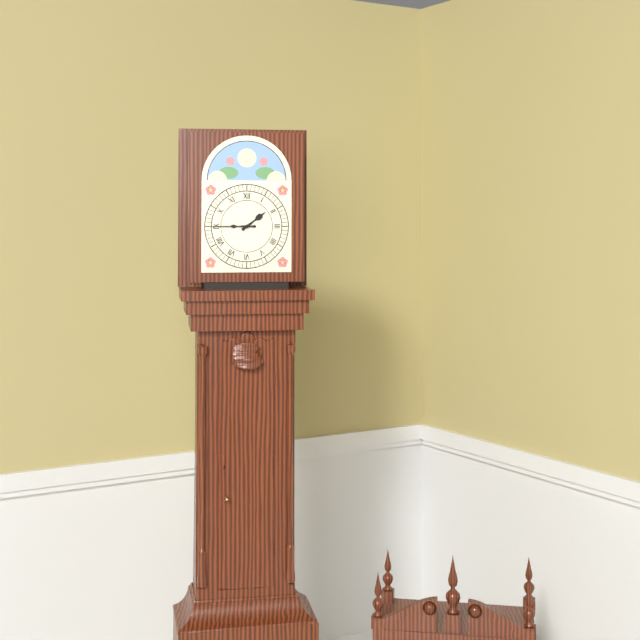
1:45
